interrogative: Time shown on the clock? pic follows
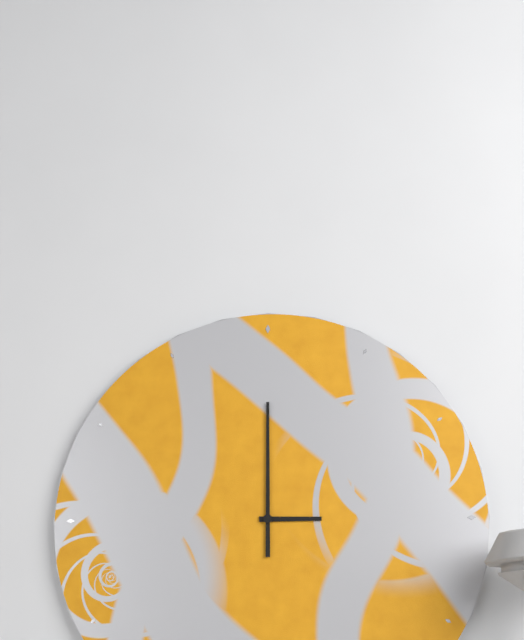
3:00
